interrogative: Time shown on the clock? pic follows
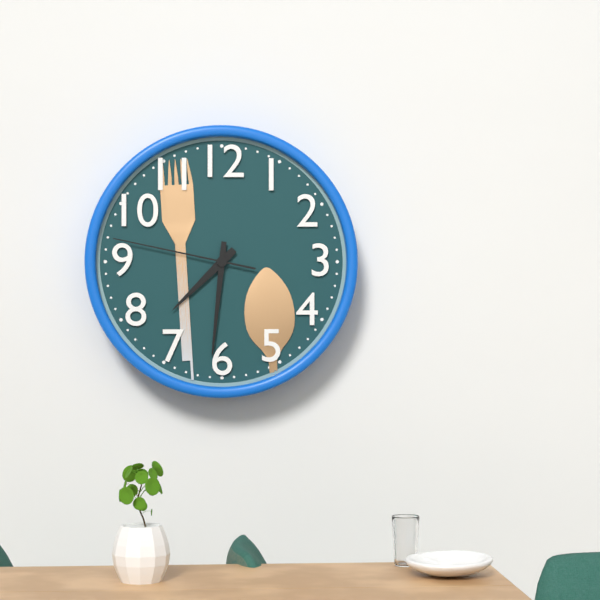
7:31:47
